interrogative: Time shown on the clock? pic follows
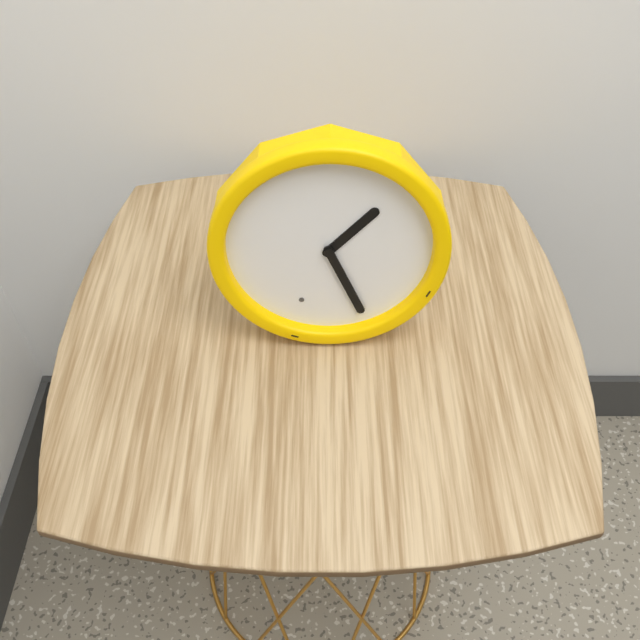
1:26
